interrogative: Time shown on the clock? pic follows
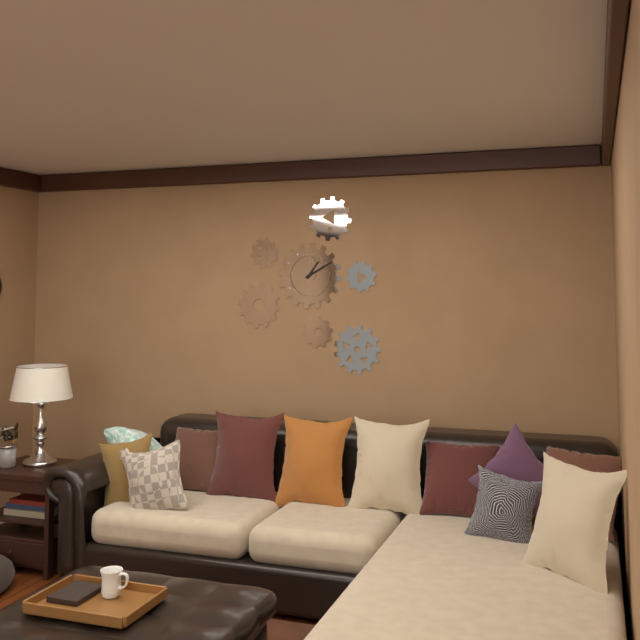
1:10
